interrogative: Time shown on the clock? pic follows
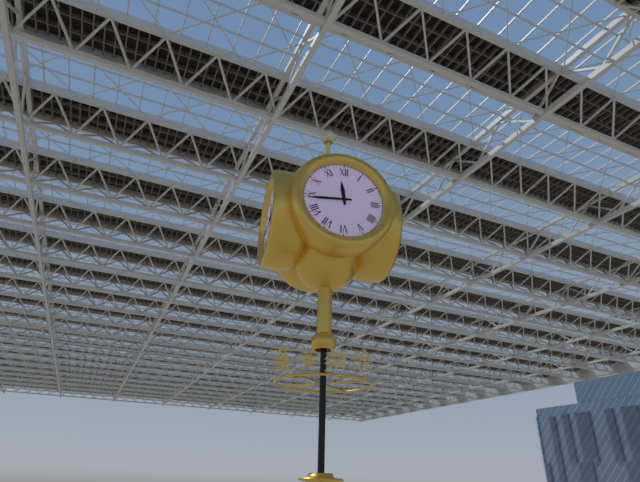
11:44
